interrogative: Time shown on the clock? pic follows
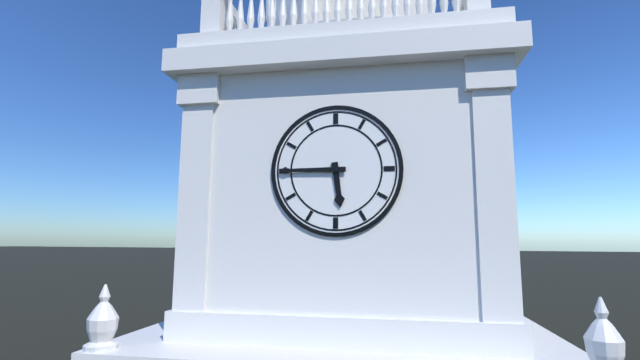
5:45
